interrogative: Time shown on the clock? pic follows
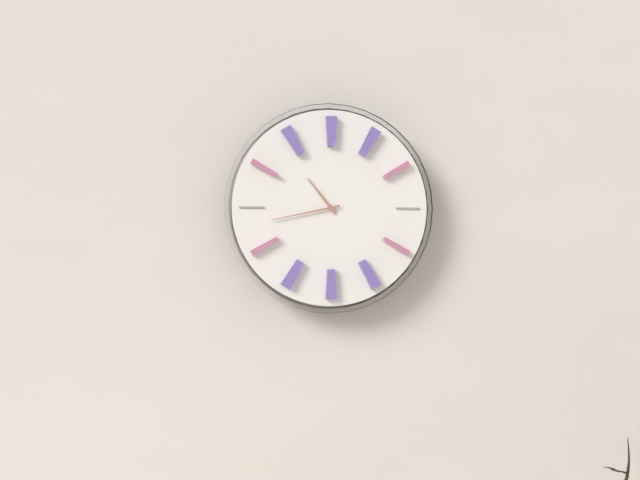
10:43
